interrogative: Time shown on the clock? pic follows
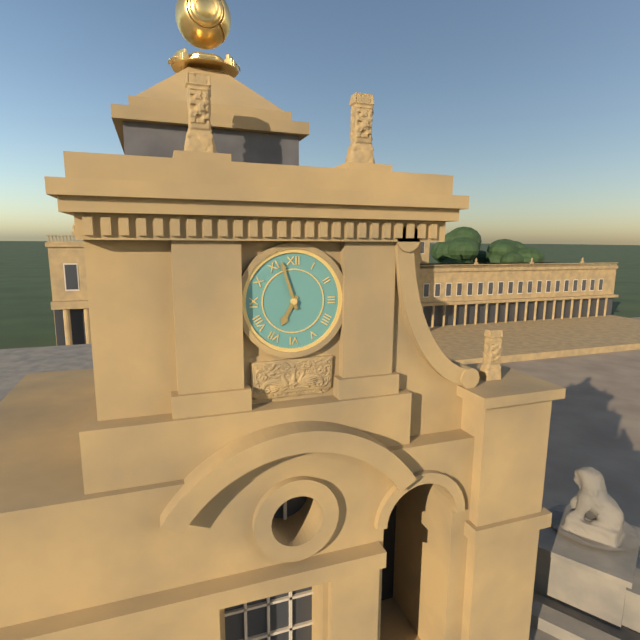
6:57
